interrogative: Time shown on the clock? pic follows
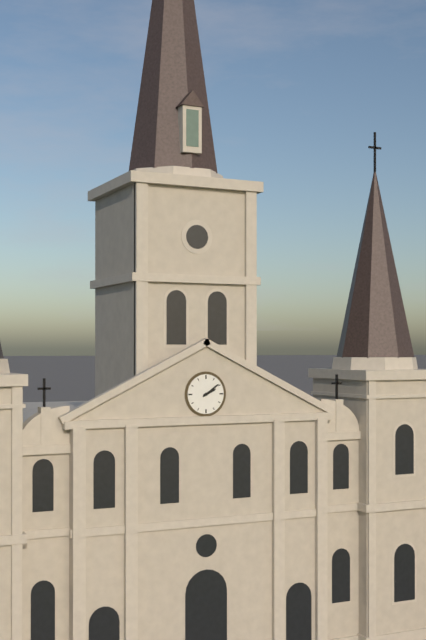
2:09
